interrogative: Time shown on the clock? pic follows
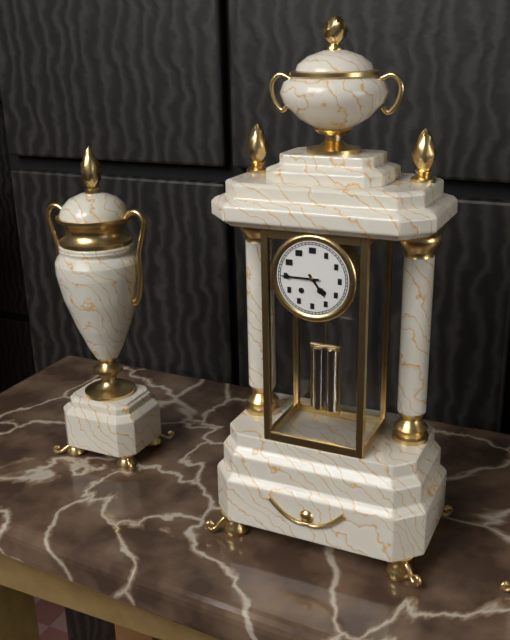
4:45
